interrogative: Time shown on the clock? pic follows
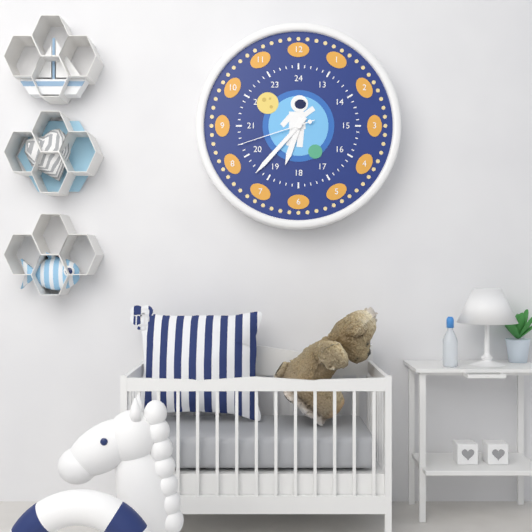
6:37:42
